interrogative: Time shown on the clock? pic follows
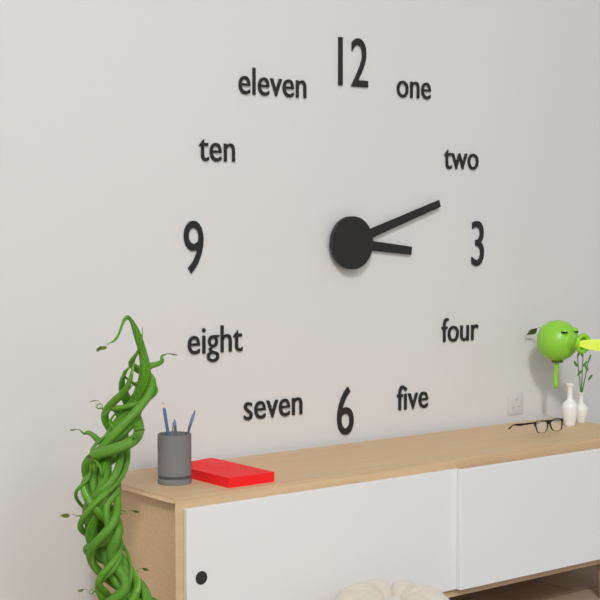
3:12
